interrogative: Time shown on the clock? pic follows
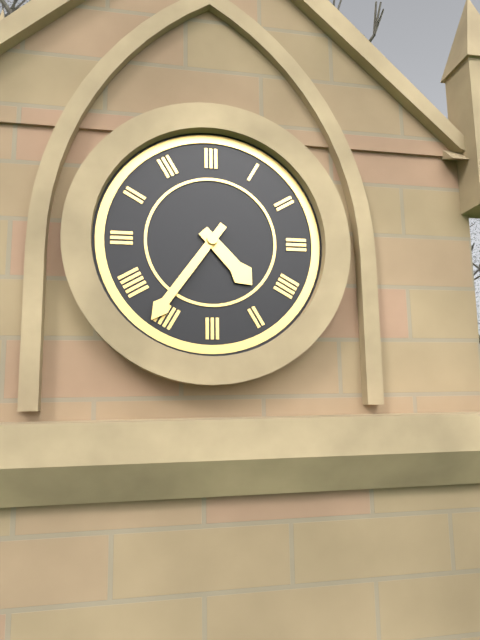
4:36
